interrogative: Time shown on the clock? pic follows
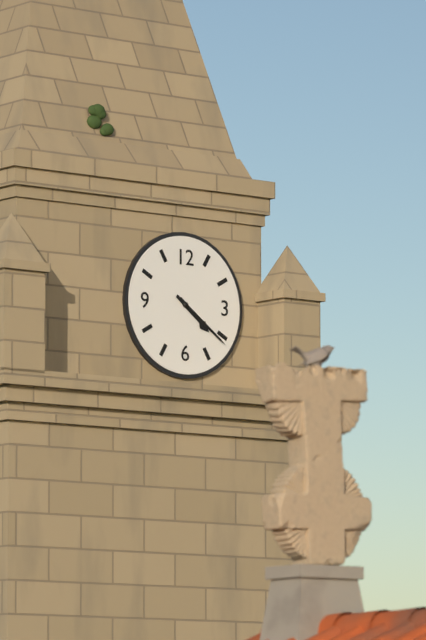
4:21
